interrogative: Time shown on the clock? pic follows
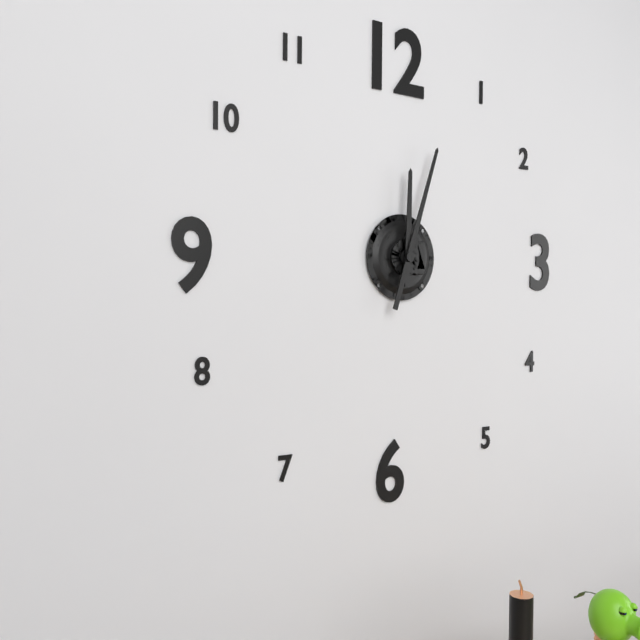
12:03
